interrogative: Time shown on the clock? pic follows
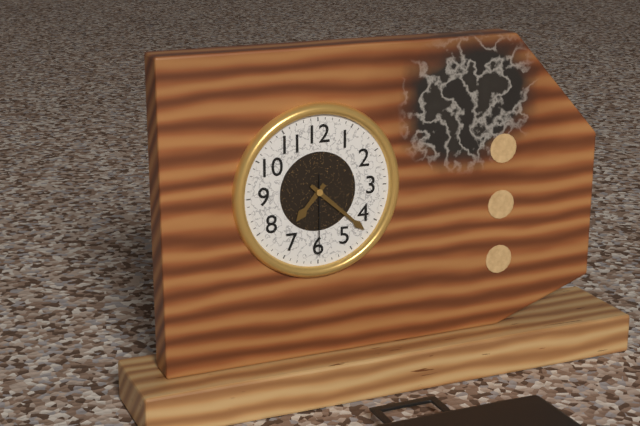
7:22:30
